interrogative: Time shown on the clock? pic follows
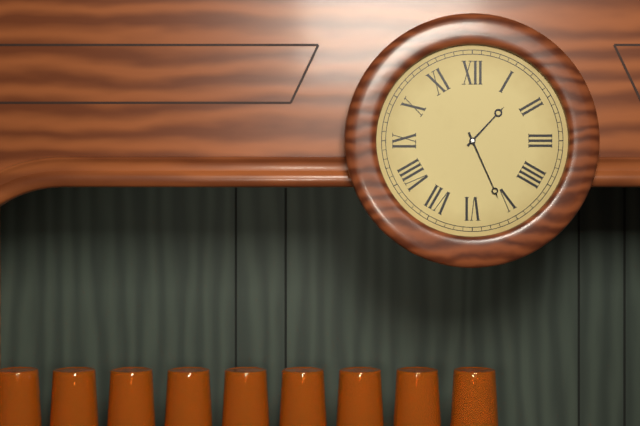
1:26
